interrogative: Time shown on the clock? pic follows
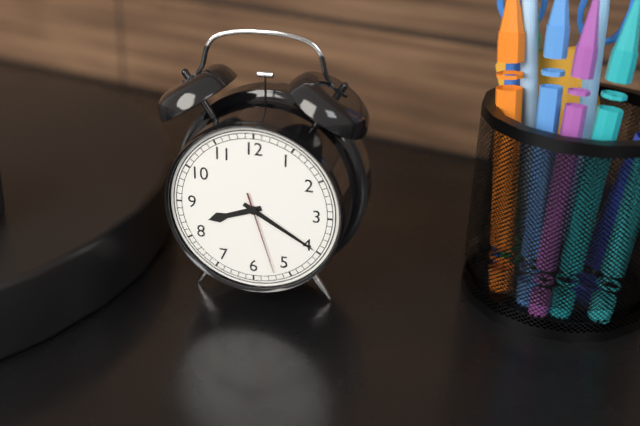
8:20:27
